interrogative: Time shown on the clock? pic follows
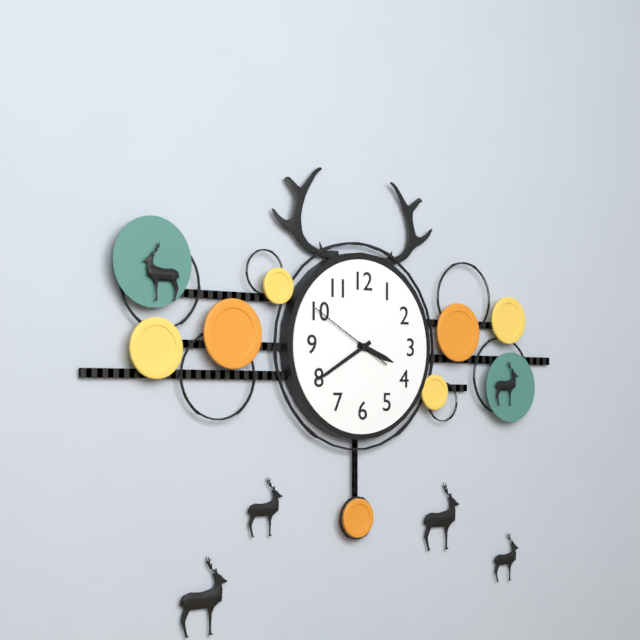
3:40:50
